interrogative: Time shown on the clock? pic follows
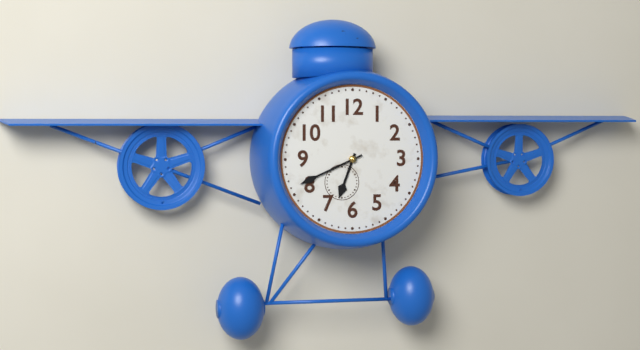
6:41
